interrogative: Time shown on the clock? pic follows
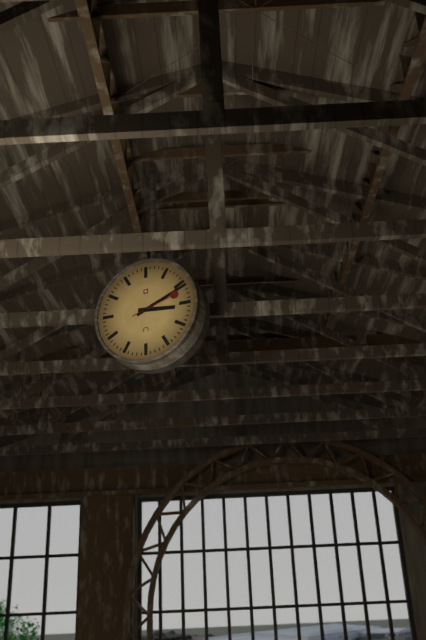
3:11
